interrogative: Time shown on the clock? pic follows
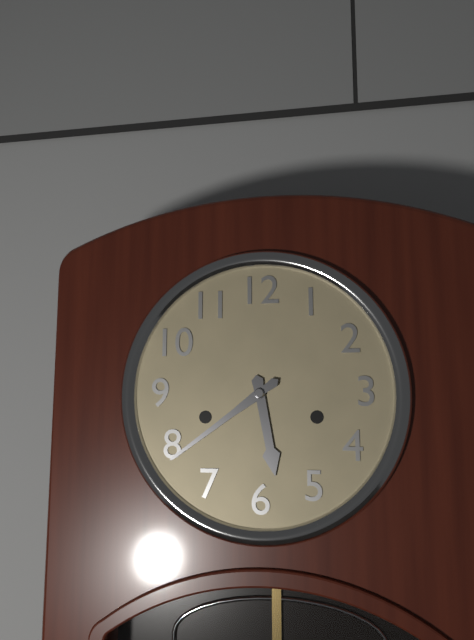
5:39
